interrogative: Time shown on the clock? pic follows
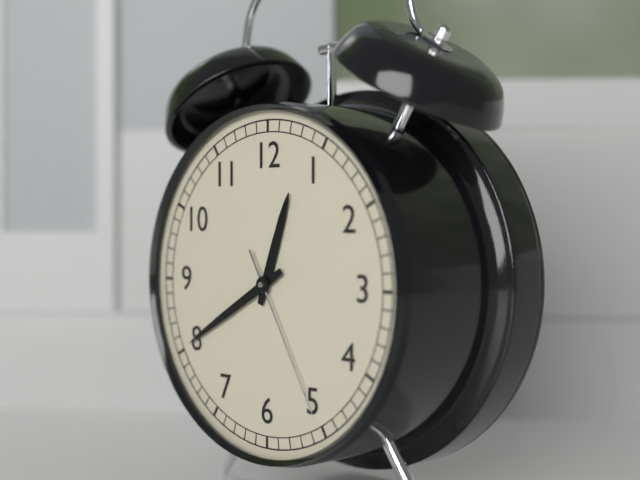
12:40:25
